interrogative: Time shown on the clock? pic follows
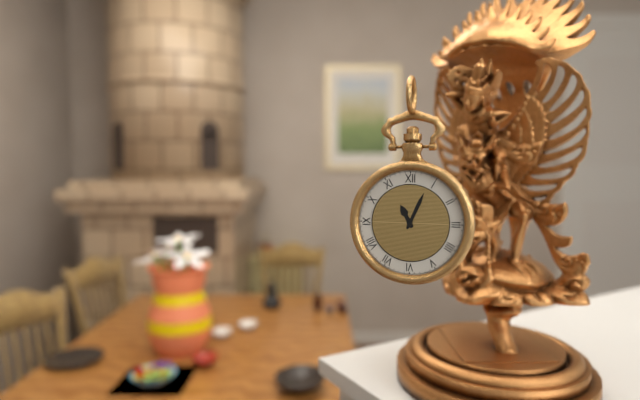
11:04
